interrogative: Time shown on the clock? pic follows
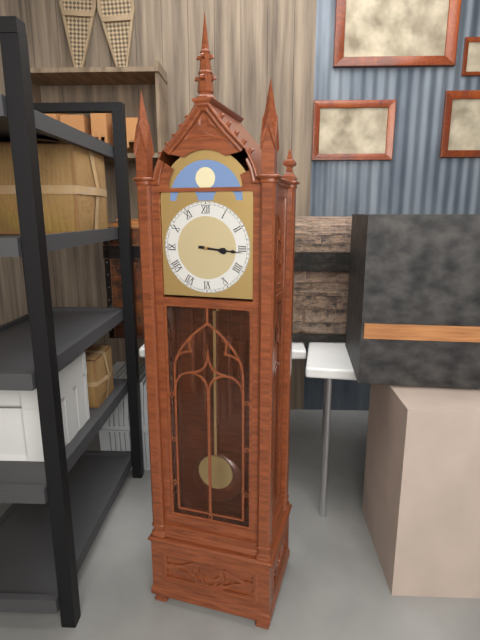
3:16
